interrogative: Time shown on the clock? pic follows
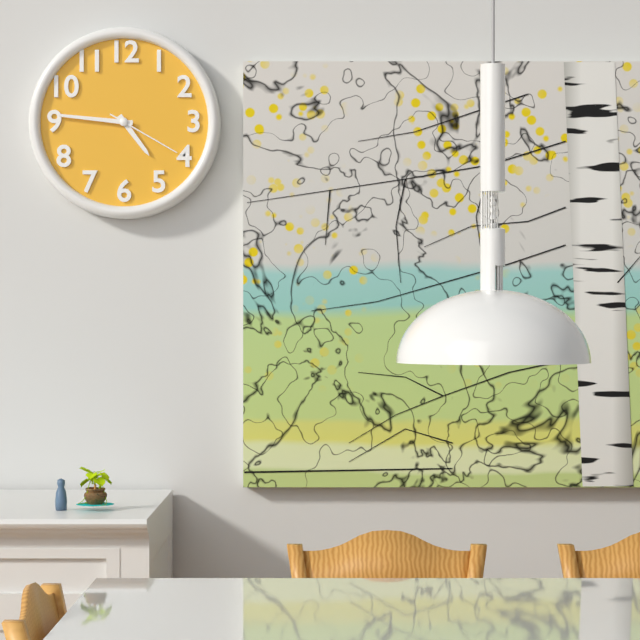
4:46:20
